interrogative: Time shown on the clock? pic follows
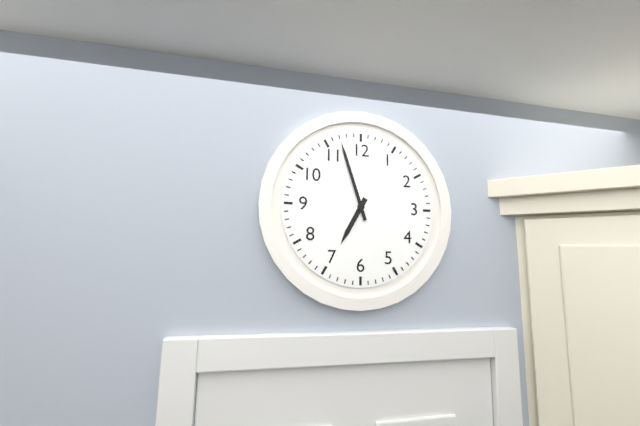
6:57
